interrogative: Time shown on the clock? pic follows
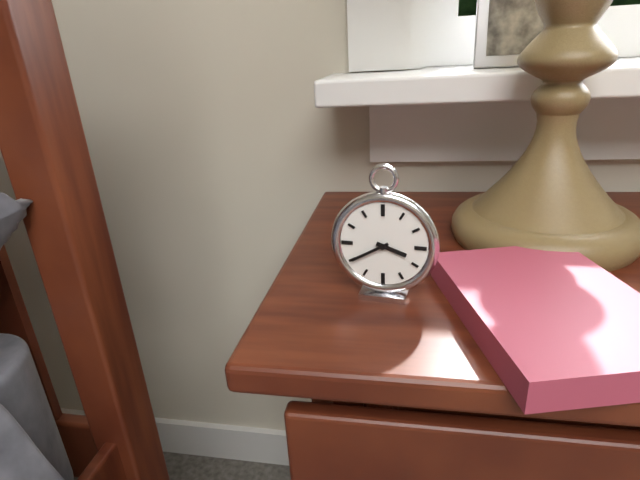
3:40
